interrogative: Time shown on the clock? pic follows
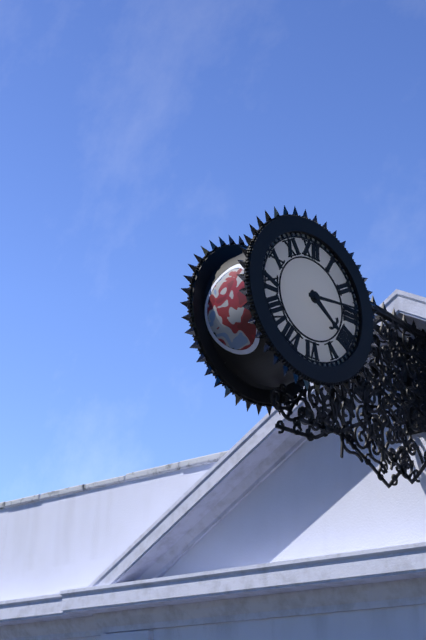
4:14
